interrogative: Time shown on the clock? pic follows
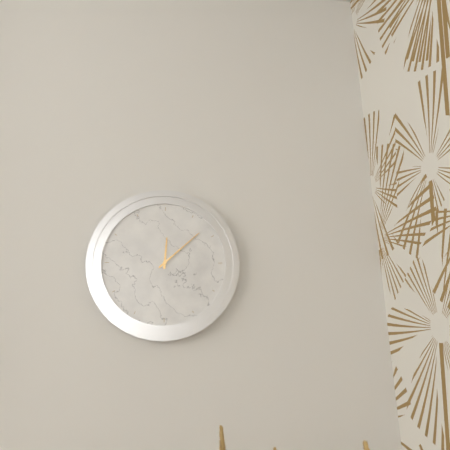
12:08
